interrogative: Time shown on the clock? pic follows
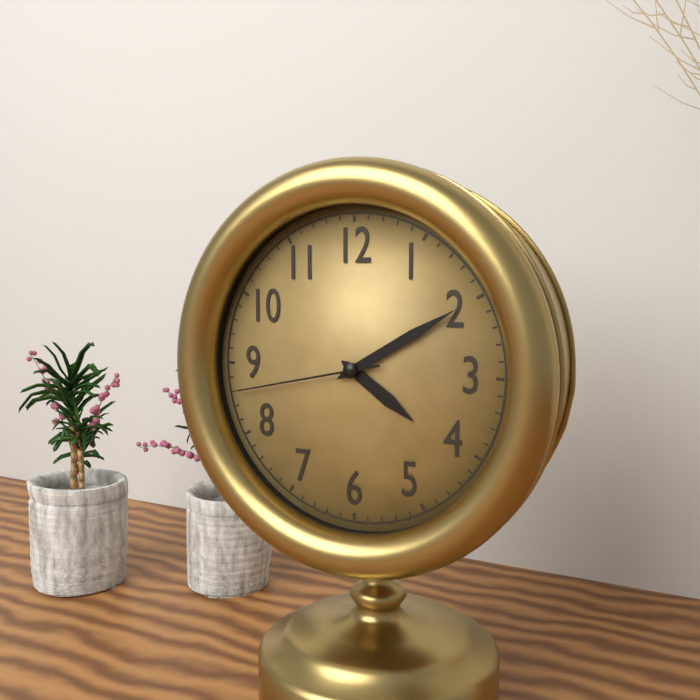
4:10:43
